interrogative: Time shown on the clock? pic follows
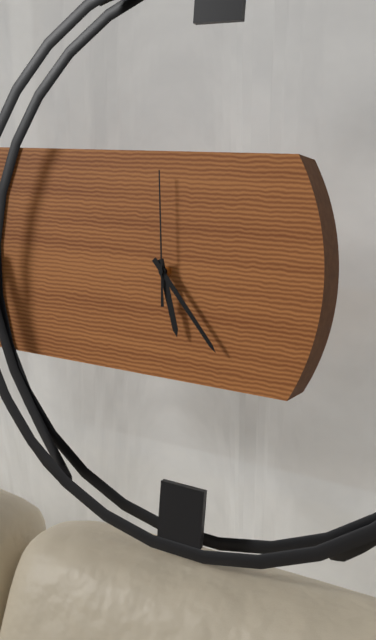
5:23:59
